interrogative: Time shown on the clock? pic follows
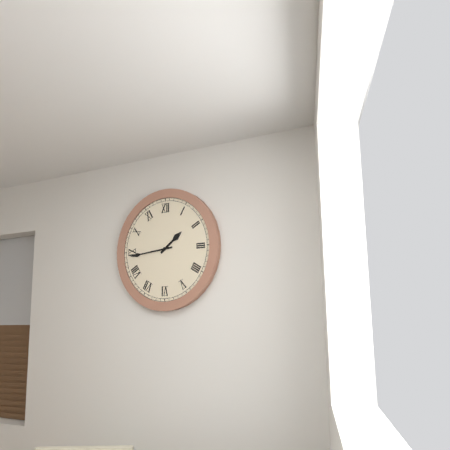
1:44
